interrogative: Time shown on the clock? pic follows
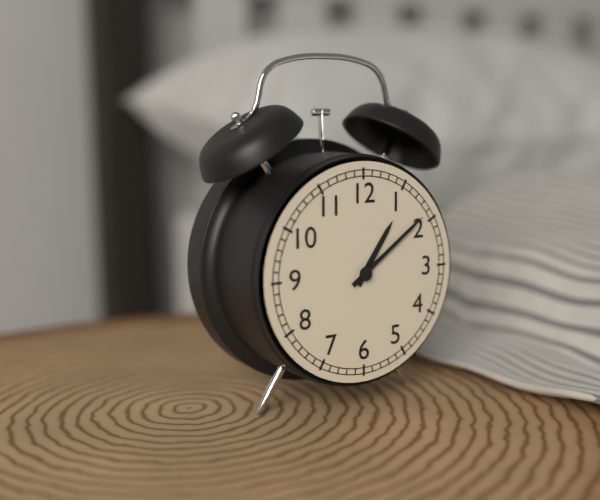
1:09
